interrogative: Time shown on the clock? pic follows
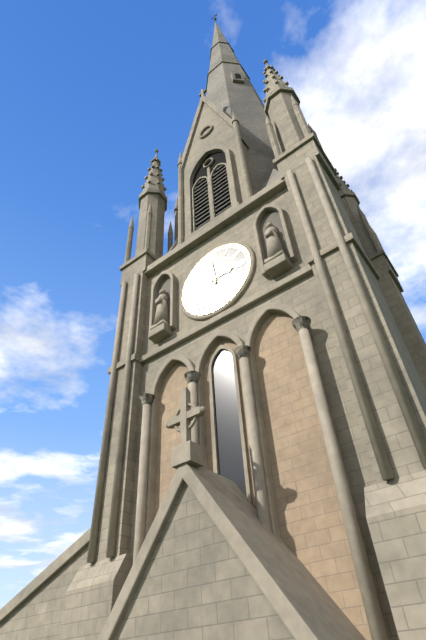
2:59
